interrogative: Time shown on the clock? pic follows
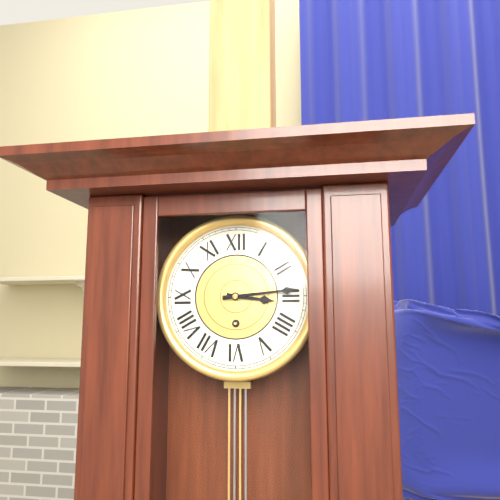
3:14
